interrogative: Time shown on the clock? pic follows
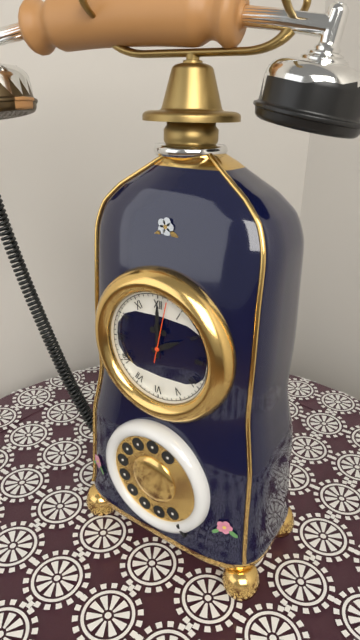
2:00:02
